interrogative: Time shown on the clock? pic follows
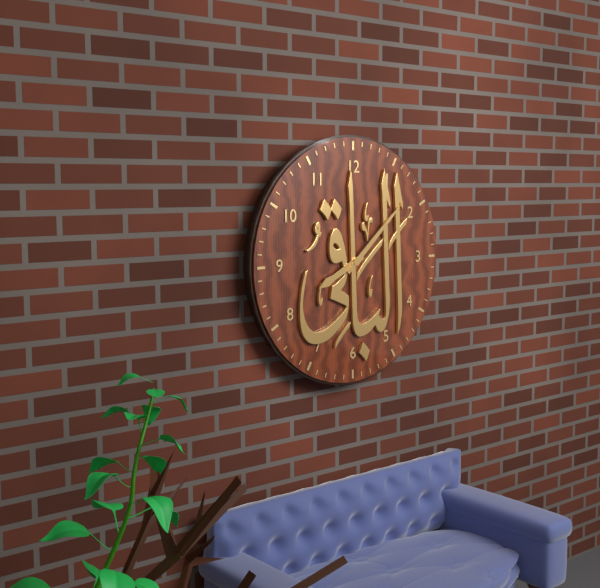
8:08
